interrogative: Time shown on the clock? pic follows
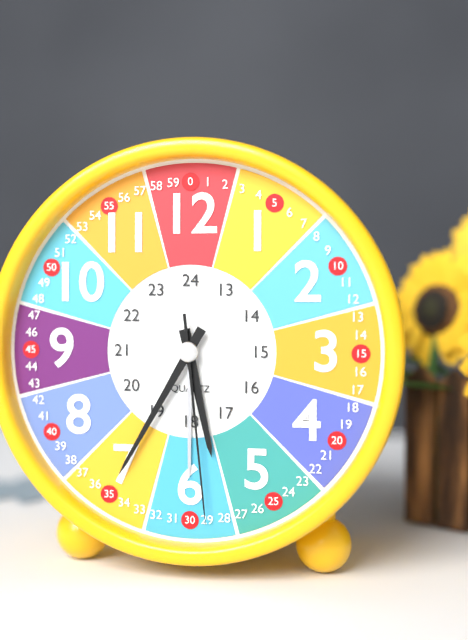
5:35:29
